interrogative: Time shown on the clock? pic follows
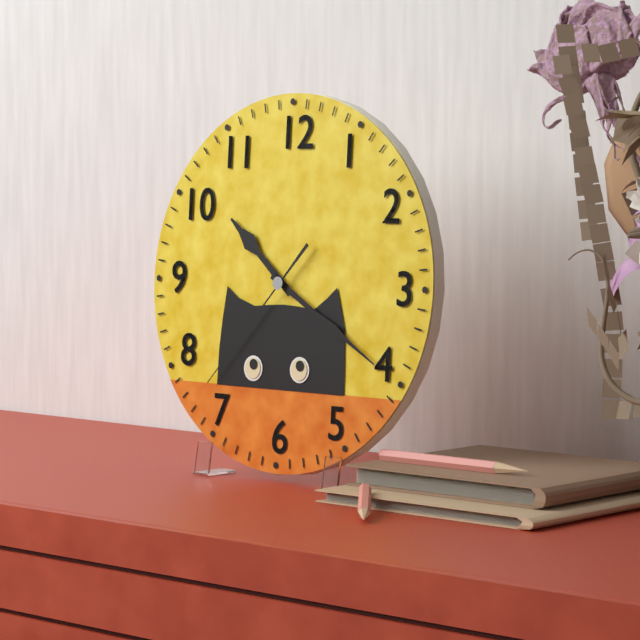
10:20:37
